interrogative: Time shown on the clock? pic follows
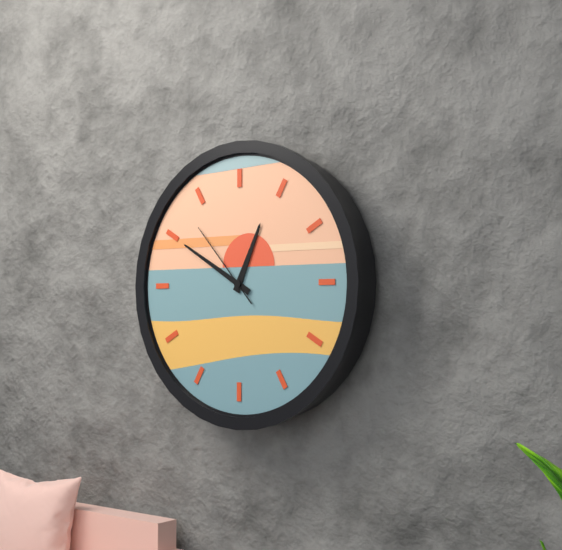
12:50:53
